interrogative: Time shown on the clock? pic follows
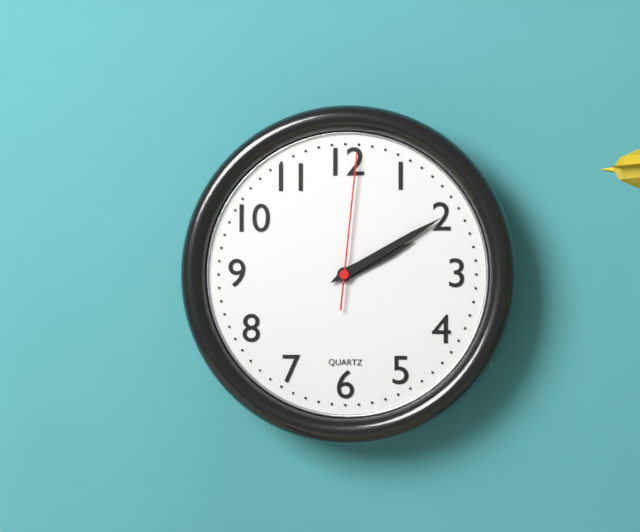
2:10:01
